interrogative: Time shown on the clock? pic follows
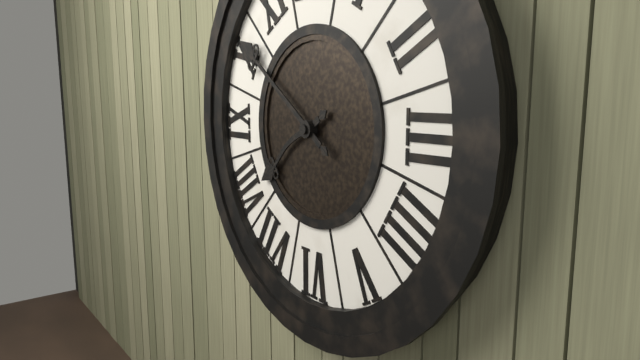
7:51
